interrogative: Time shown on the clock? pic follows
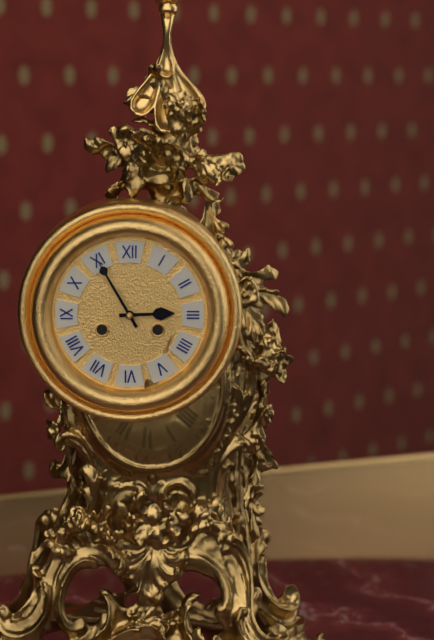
2:55
